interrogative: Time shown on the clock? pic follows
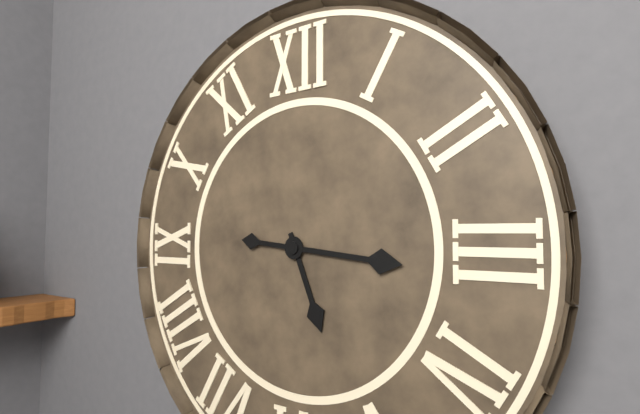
5:16
